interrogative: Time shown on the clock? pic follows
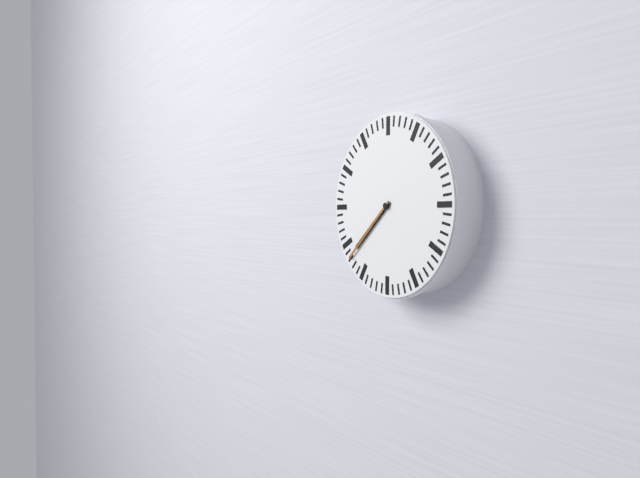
7:38
